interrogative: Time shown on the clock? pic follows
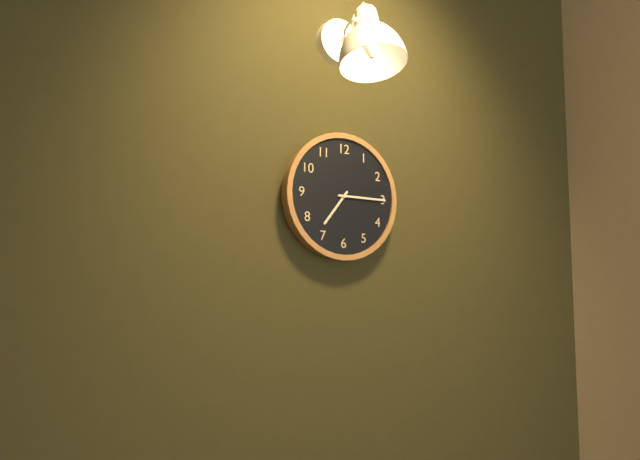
7:15
